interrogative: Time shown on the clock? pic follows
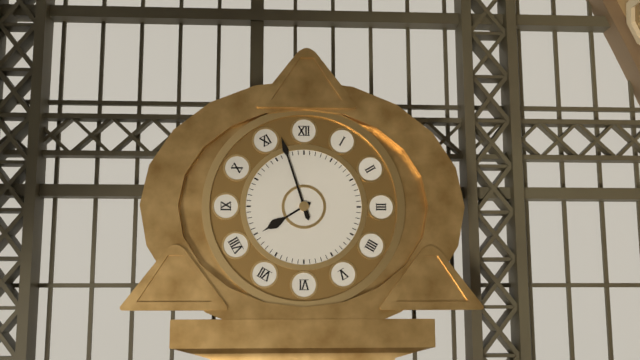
7:57
